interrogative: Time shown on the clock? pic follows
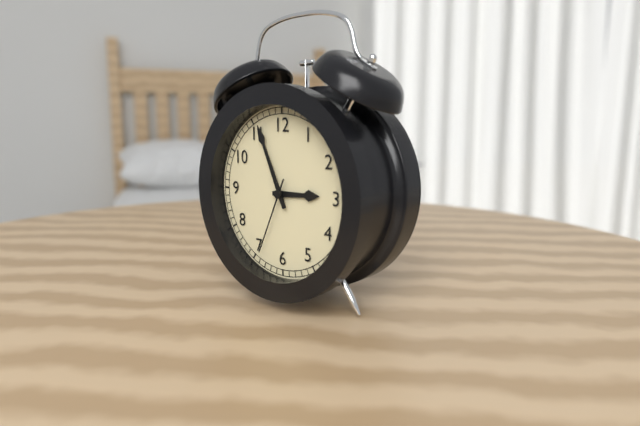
2:56:34
